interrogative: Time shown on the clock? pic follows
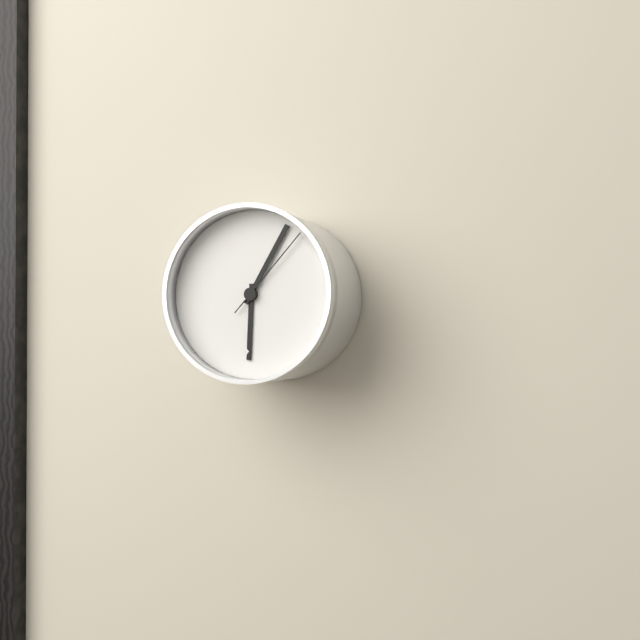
6:05:07
